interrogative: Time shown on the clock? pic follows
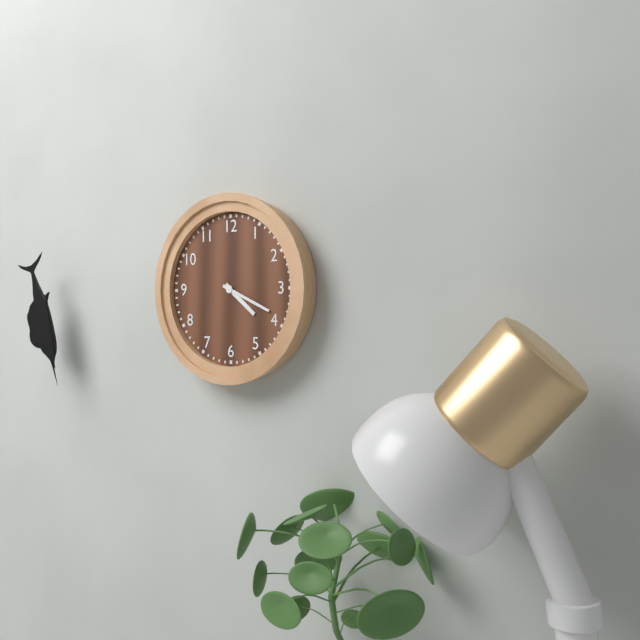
4:19
